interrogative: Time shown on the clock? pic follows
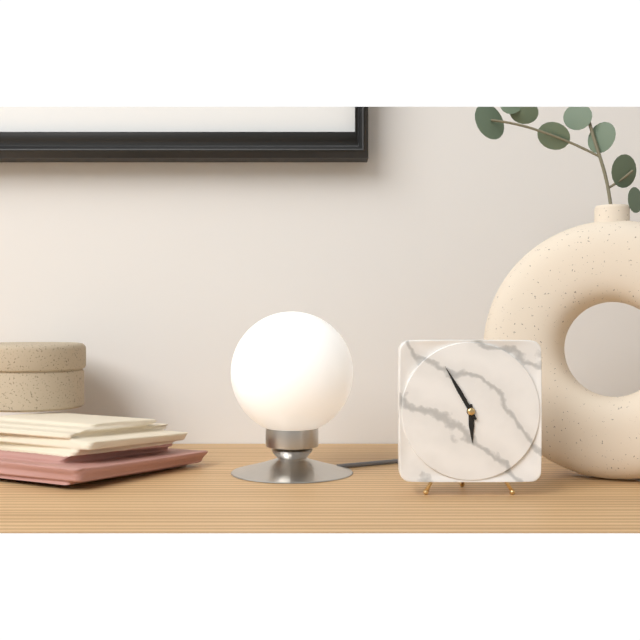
5:55
